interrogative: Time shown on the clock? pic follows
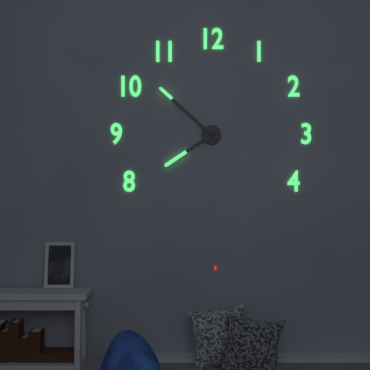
7:52
